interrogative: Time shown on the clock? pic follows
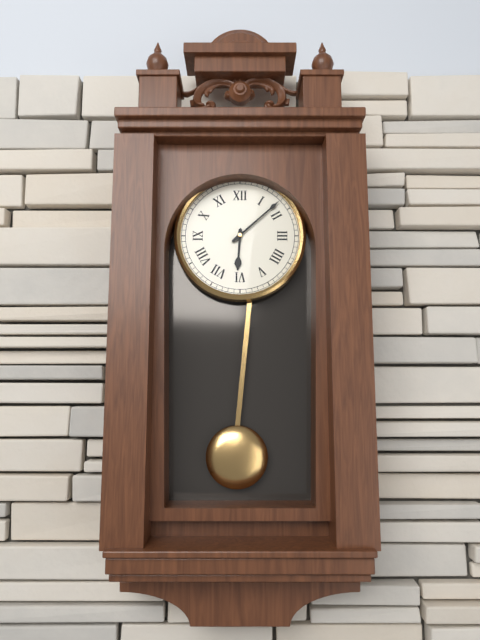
6:08
